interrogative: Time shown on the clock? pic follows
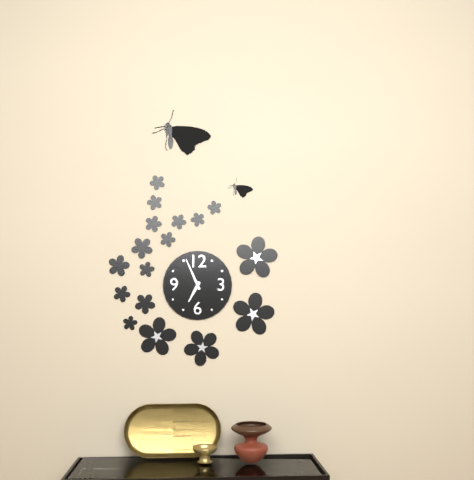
6:56
